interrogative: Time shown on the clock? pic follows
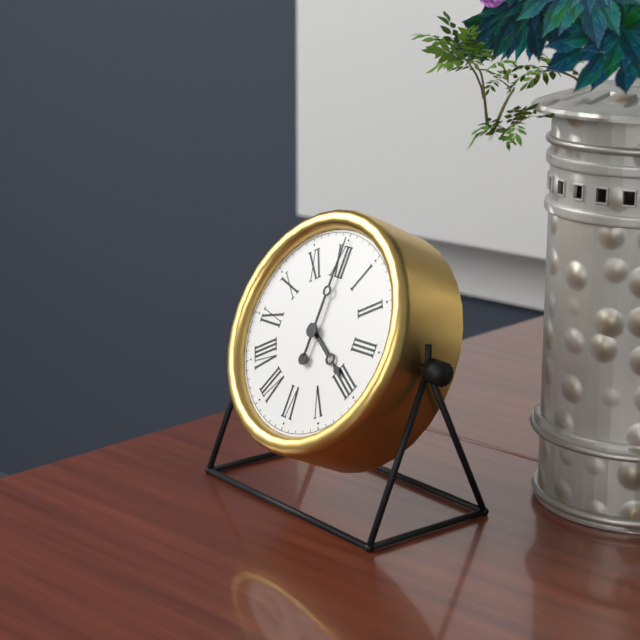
4:00
